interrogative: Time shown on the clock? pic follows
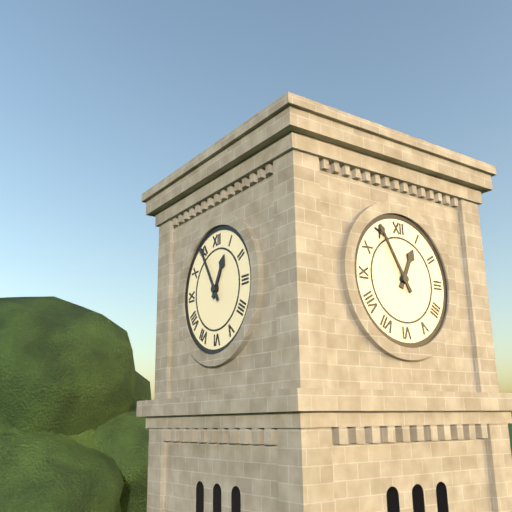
12:55
